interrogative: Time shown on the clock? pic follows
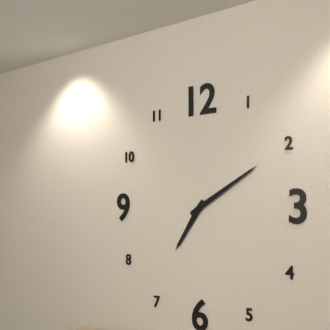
7:10
